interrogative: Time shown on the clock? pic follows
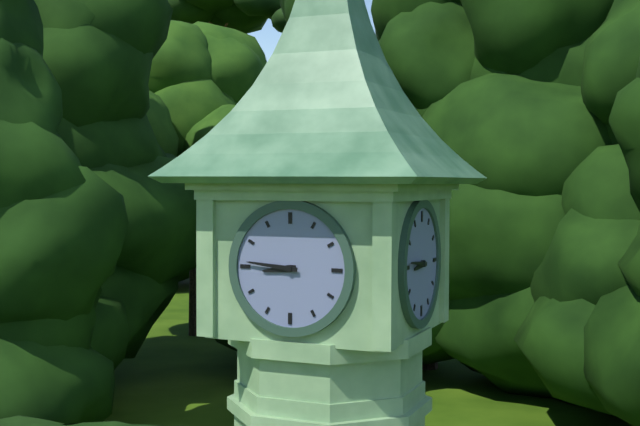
8:46
